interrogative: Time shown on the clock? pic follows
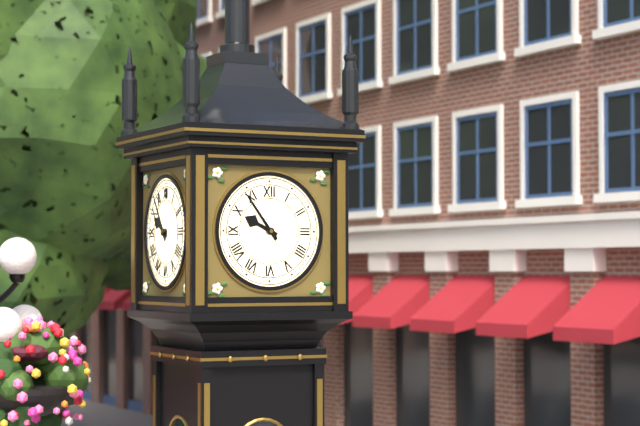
9:54
